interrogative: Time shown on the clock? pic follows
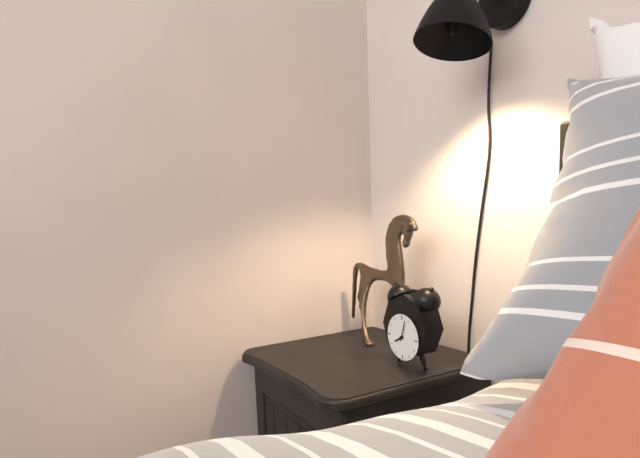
8:03
